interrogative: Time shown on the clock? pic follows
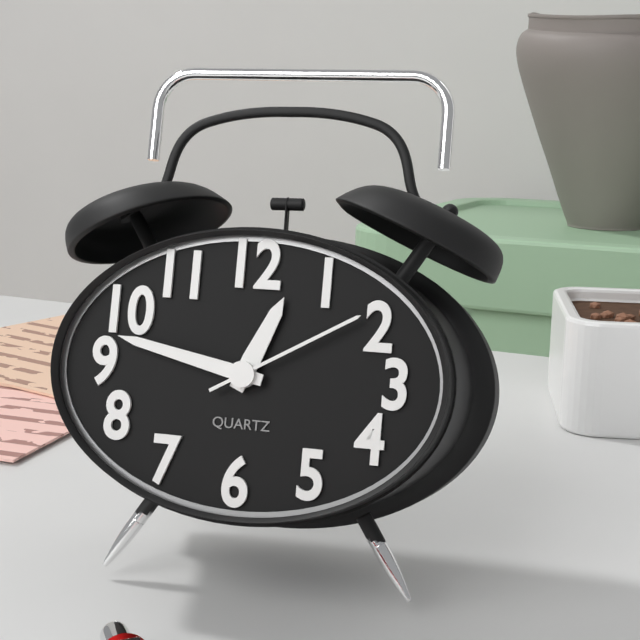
12:47:10
